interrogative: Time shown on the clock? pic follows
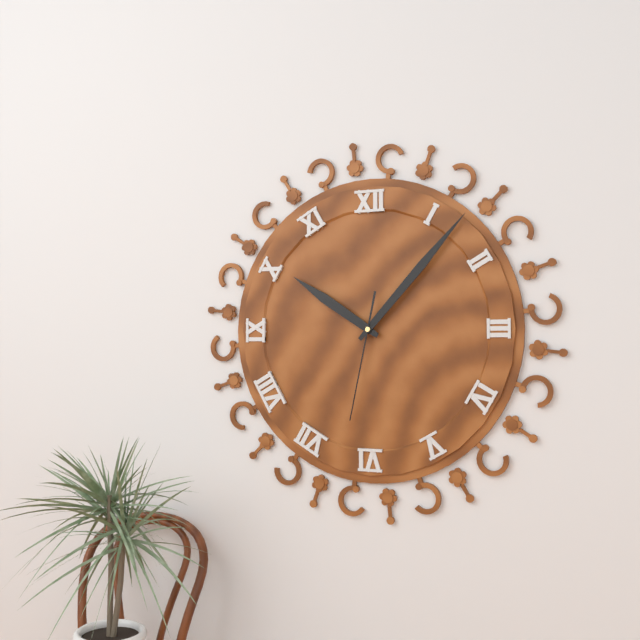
10:07:32
